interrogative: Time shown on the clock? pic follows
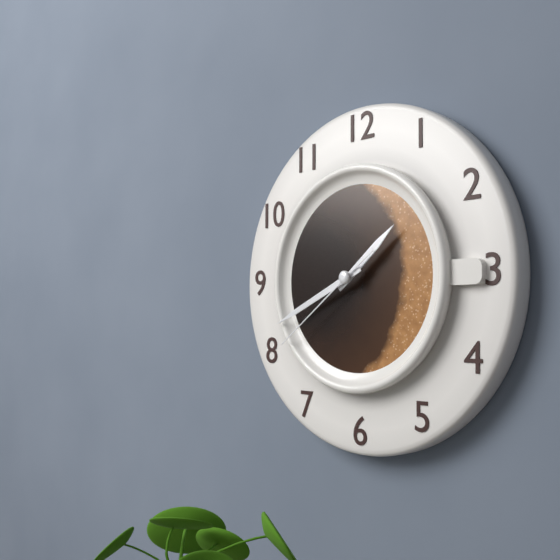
1:41:39
